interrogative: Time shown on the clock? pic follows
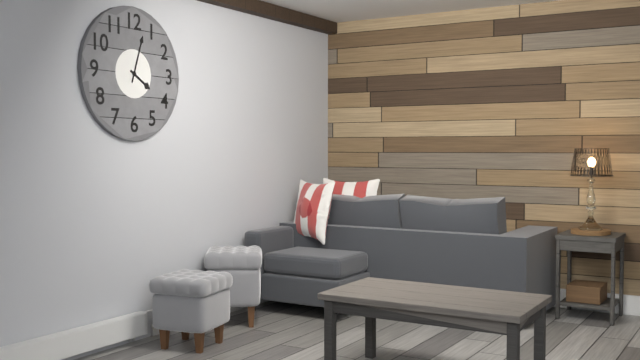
4:03
